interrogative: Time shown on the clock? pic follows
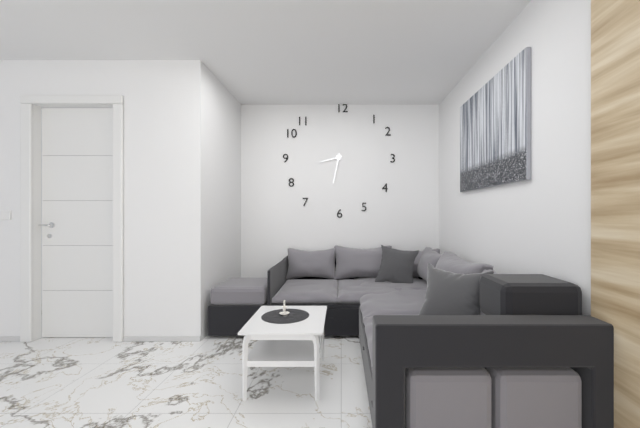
8:32
